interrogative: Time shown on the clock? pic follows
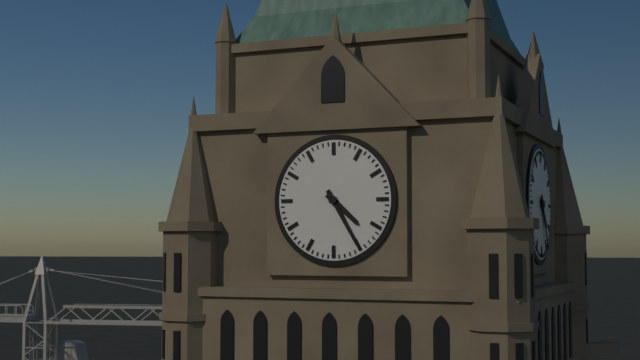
4:25
